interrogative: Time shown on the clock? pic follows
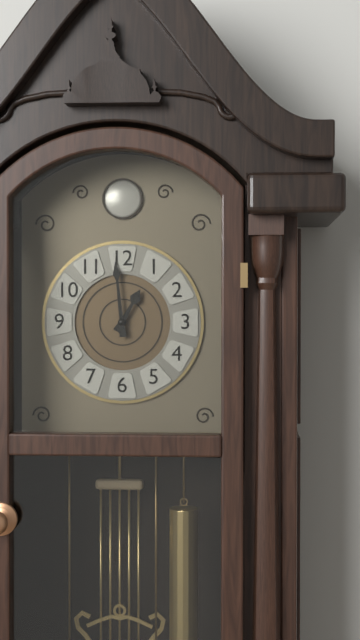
12:59
